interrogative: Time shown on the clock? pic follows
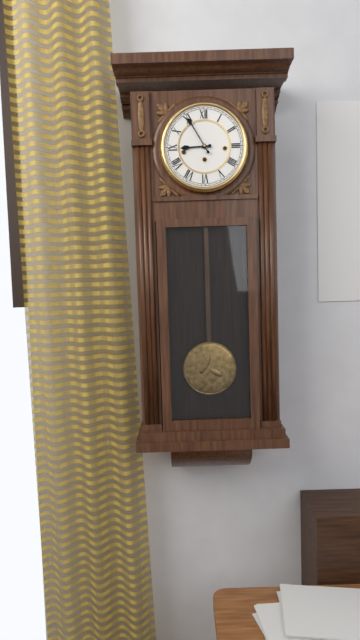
8:55
